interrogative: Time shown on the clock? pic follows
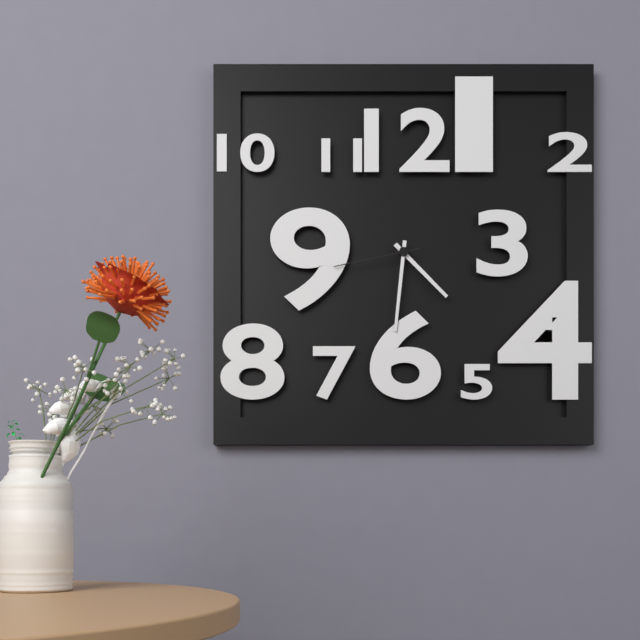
4:31:43
